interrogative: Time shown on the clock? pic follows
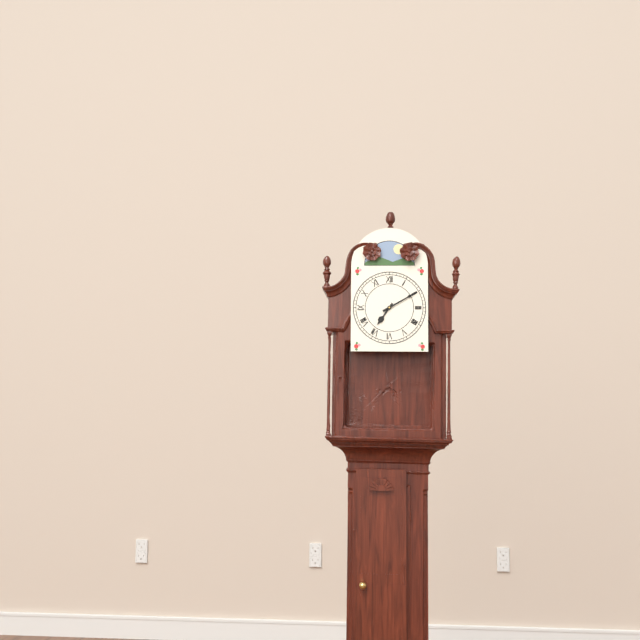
7:10
